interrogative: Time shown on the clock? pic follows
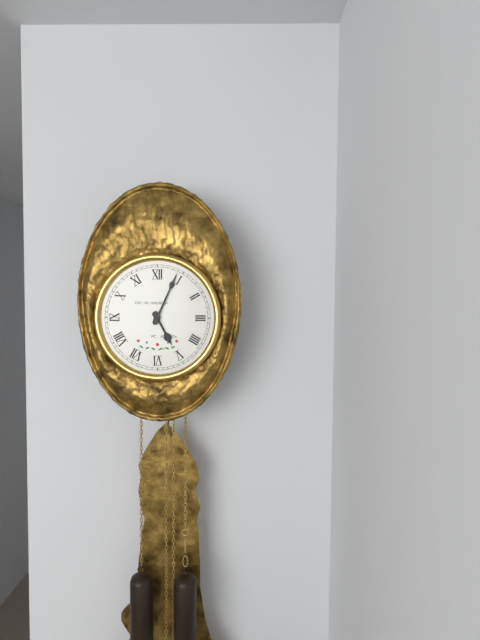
5:04
